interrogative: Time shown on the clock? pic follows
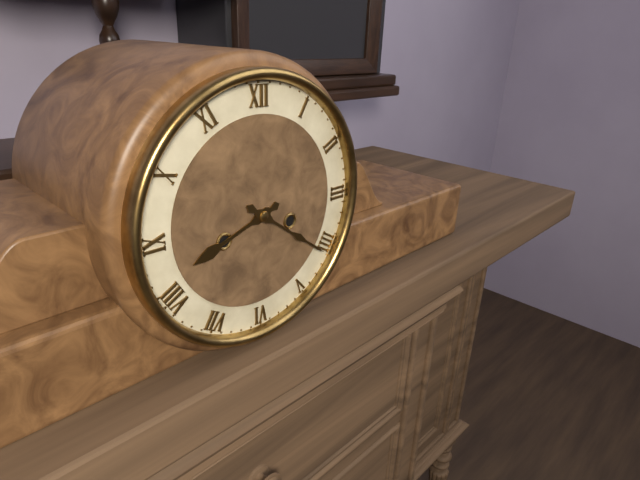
8:21
